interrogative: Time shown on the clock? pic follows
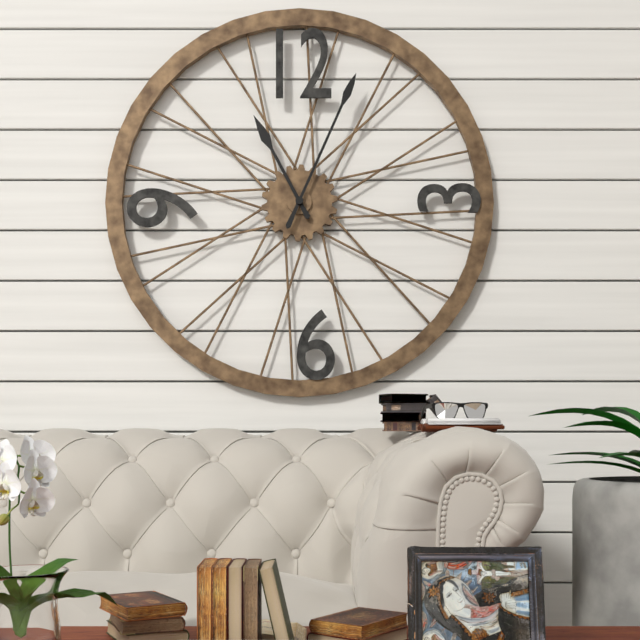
11:04
